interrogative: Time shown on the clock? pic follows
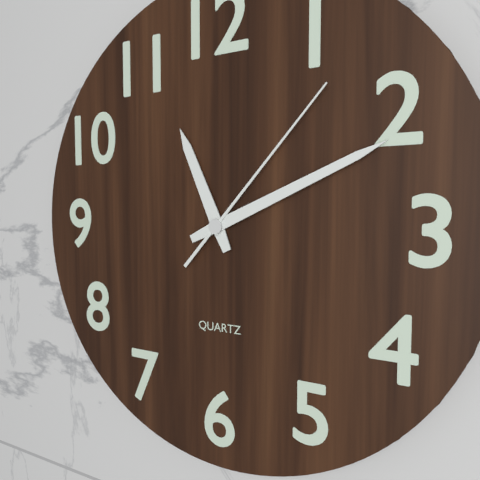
11:11:07
